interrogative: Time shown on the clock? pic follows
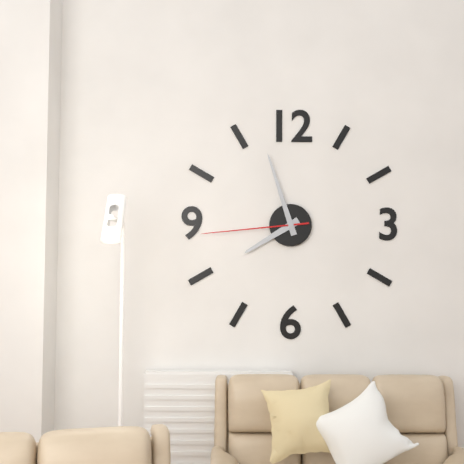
7:57:44
